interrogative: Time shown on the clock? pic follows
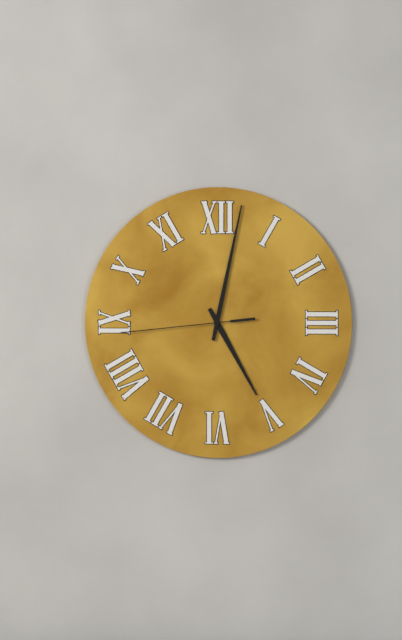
5:02:44
